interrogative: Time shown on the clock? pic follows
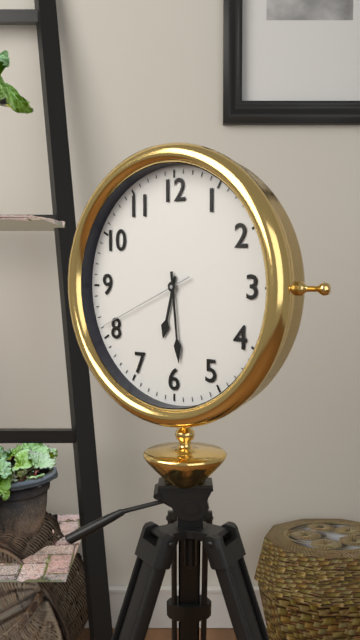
6:29:41
